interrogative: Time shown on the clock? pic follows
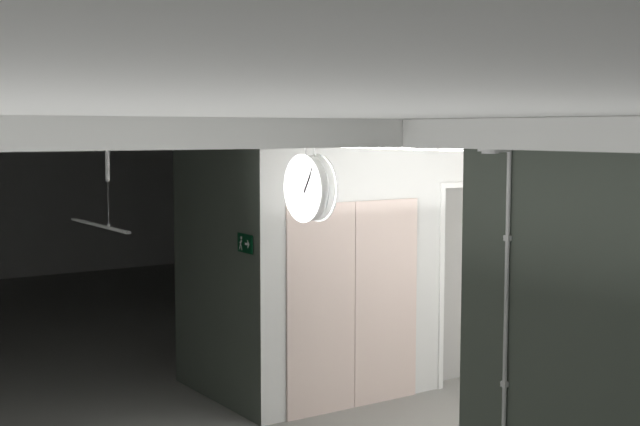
1:05
